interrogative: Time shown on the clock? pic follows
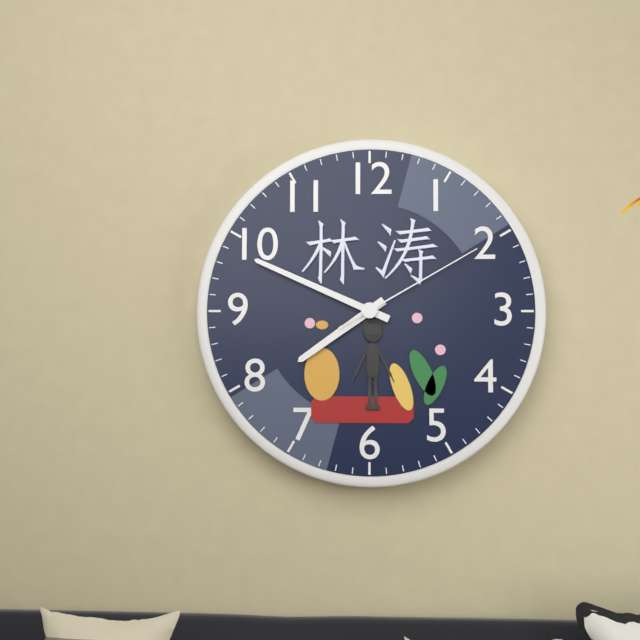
7:49:10
